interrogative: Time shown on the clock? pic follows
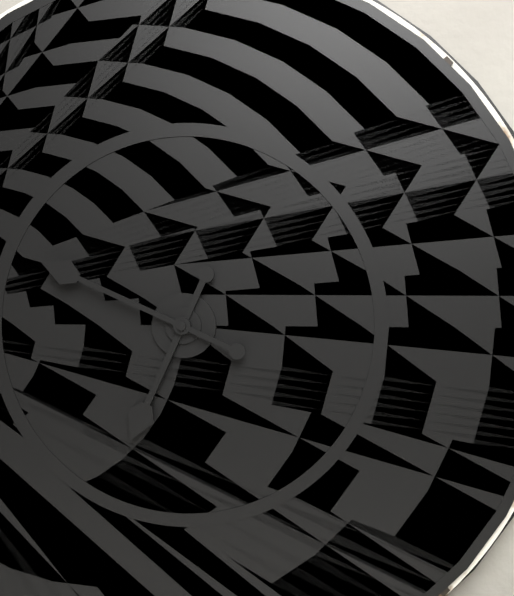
6:49
